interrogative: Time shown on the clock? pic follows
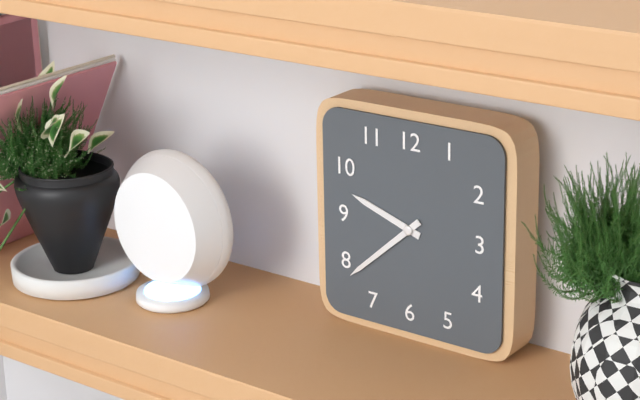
9:38
